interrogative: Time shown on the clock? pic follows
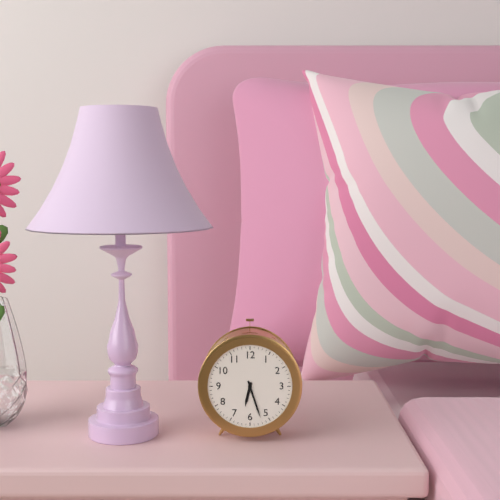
6:27
